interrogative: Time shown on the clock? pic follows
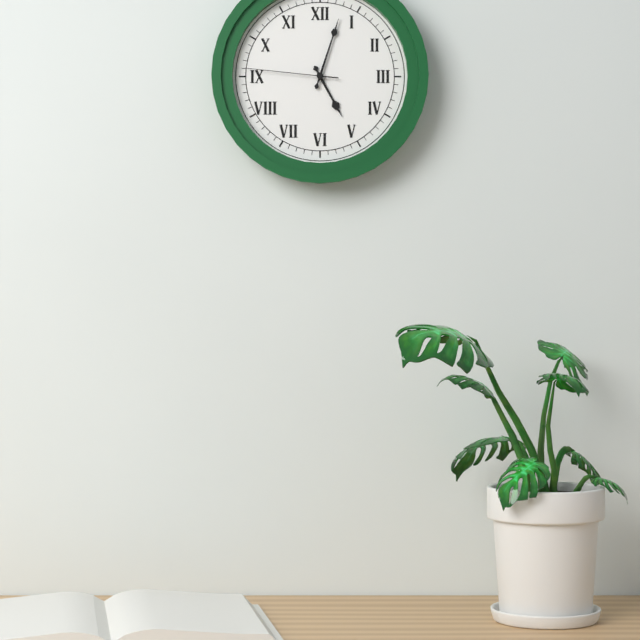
5:03:46
